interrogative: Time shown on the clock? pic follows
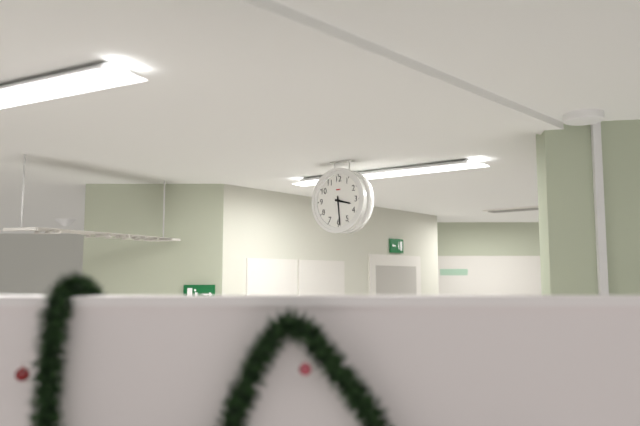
3:29
